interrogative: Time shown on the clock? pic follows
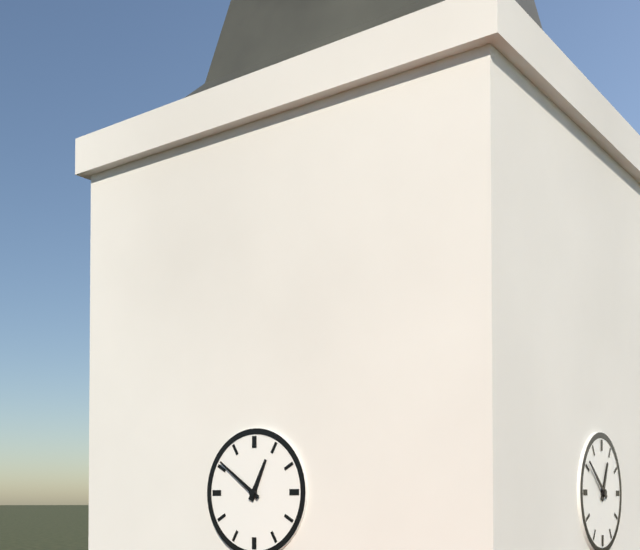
12:51
